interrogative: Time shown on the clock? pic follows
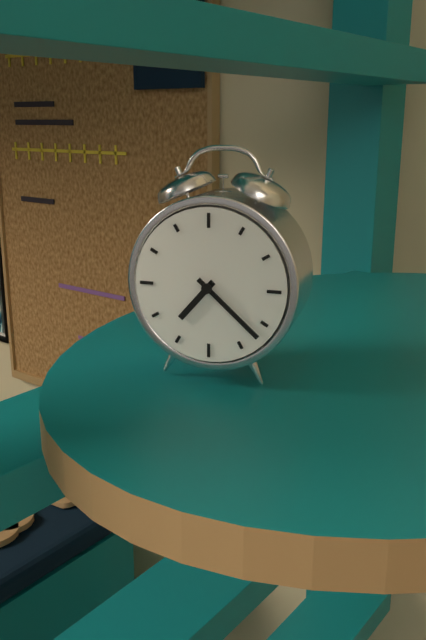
7:22
